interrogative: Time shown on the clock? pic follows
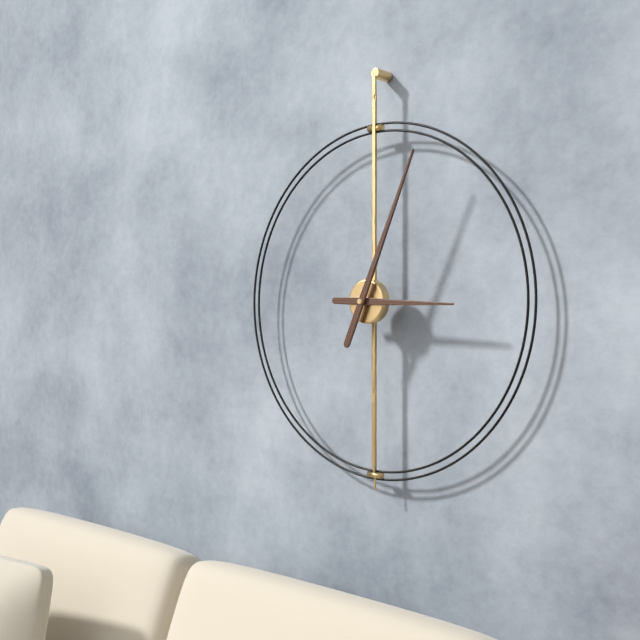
3:04
